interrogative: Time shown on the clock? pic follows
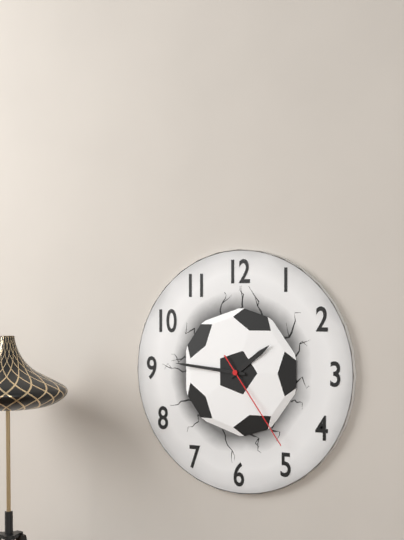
1:46:24
